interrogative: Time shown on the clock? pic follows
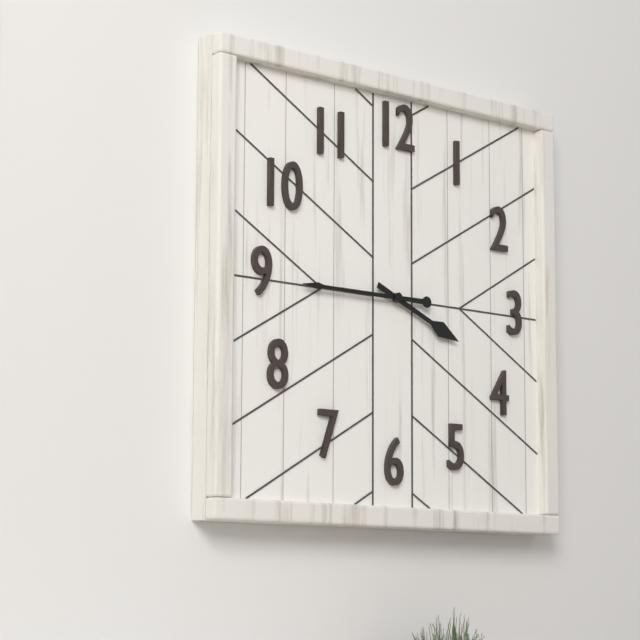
3:45
